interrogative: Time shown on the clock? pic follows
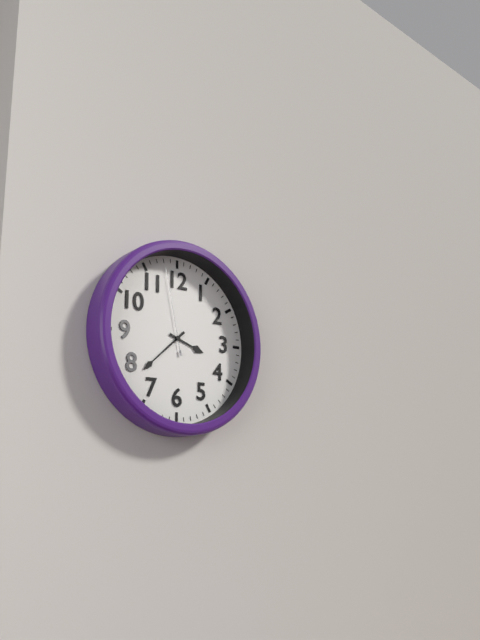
3:38:58
